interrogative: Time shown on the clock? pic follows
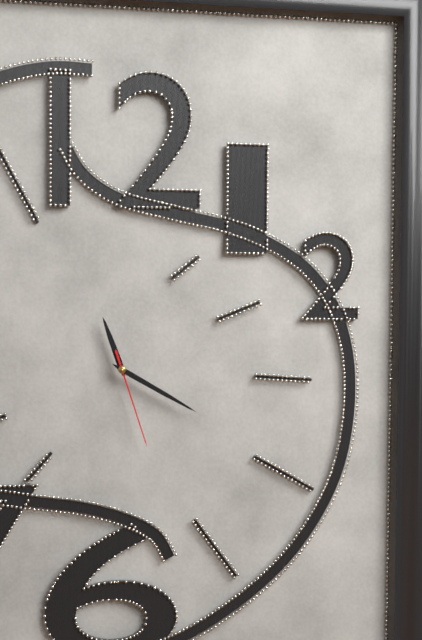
11:20:27
